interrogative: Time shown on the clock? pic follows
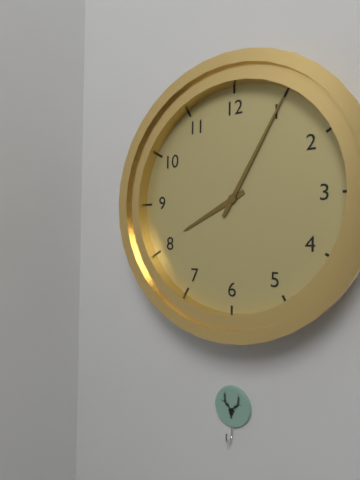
8:05
